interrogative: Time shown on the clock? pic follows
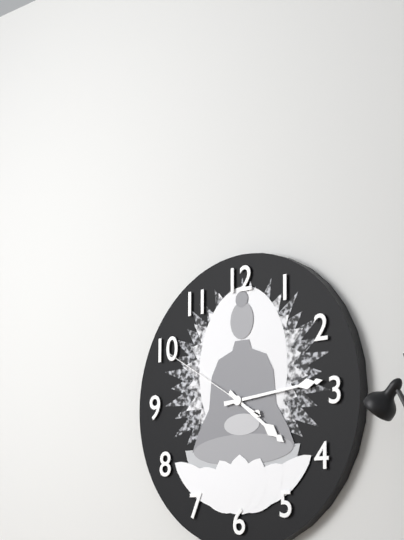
4:14:50
